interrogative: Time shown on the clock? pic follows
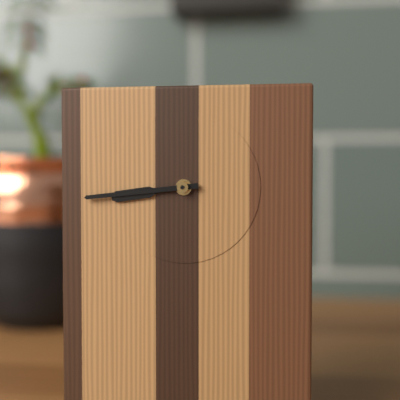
8:44
